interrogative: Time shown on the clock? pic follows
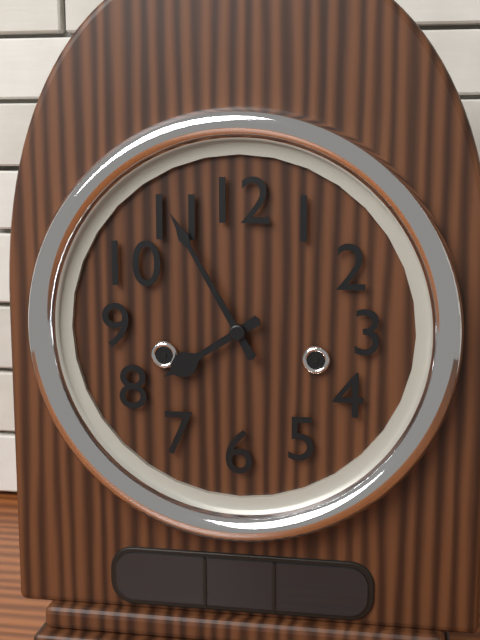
7:55
